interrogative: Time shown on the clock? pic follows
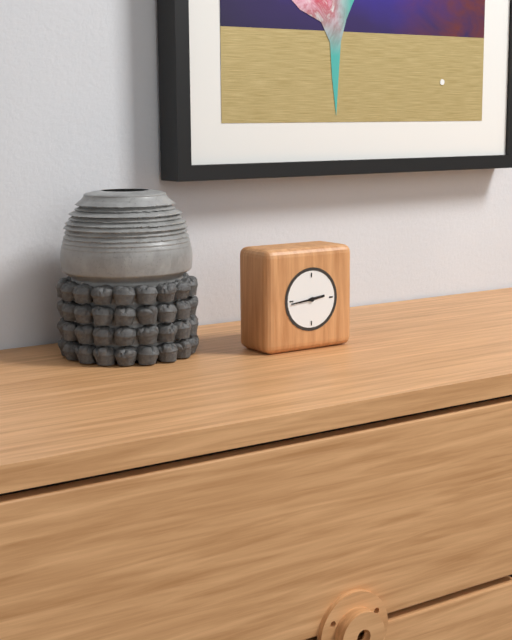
2:44
